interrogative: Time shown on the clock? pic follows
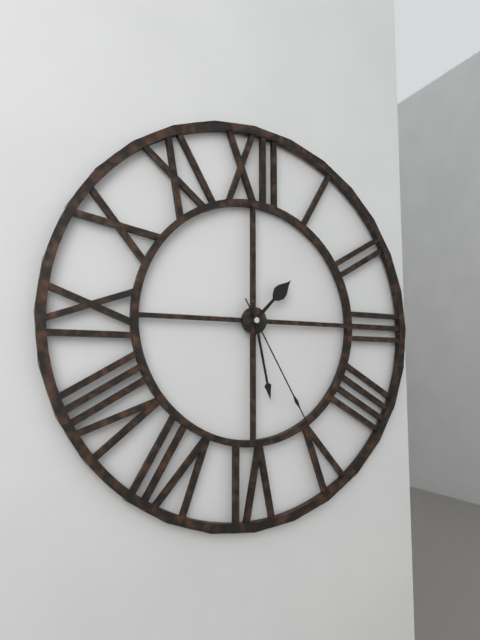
1:28:25
